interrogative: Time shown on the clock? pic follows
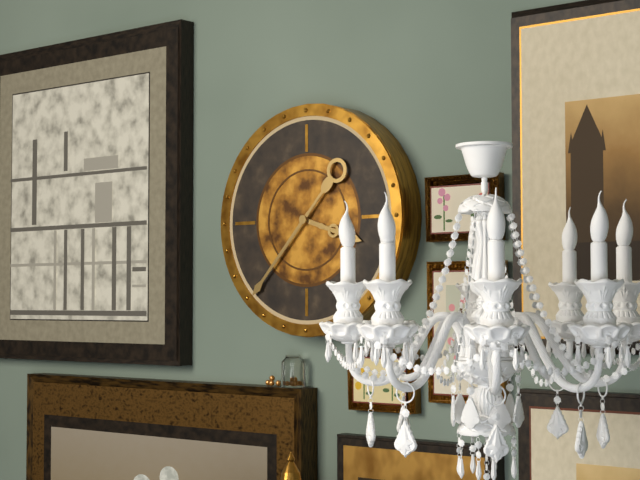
3:37
